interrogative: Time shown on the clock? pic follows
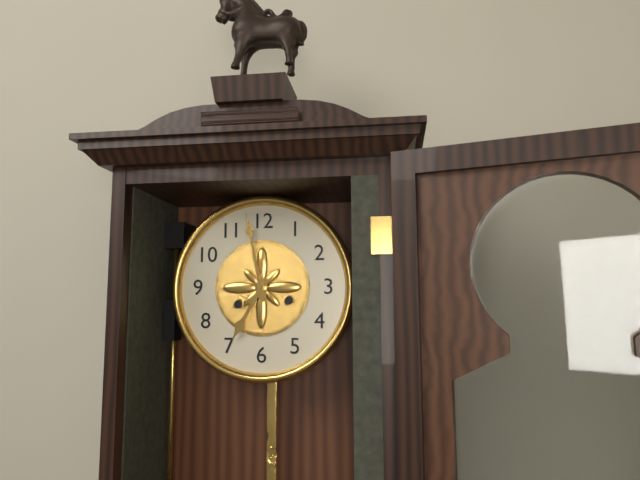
6:58
